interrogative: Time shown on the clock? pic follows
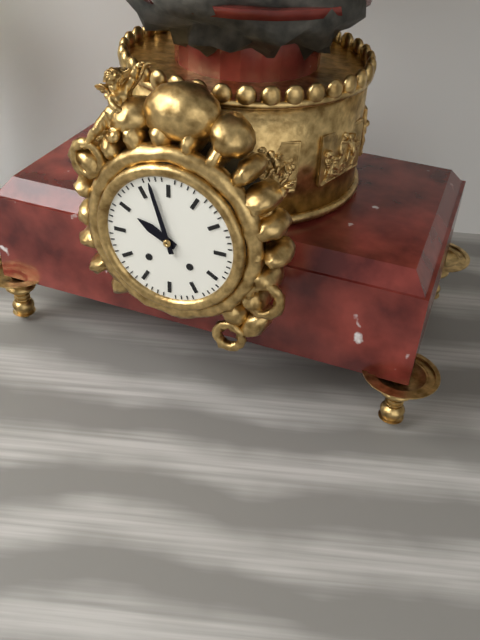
9:57
